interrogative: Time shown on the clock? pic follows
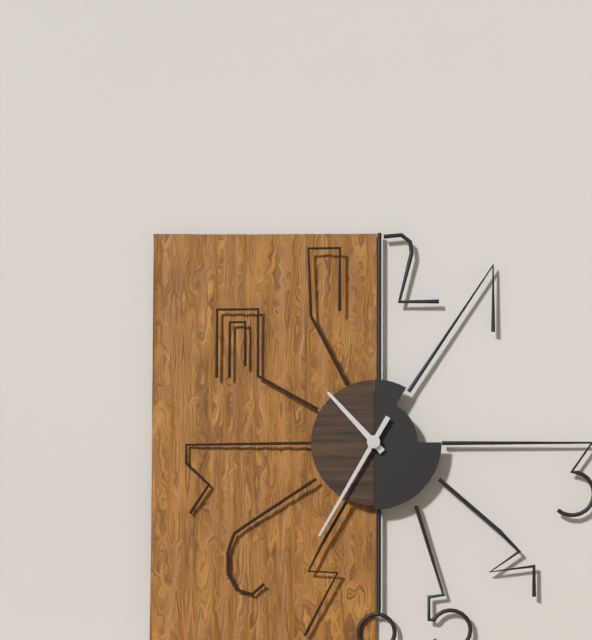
10:35
